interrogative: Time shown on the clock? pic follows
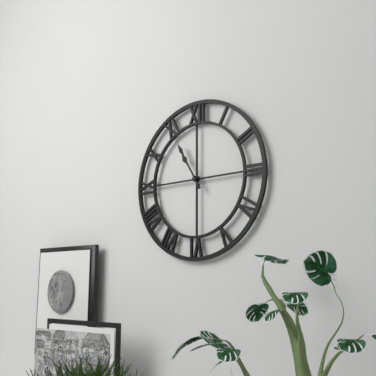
10:55
